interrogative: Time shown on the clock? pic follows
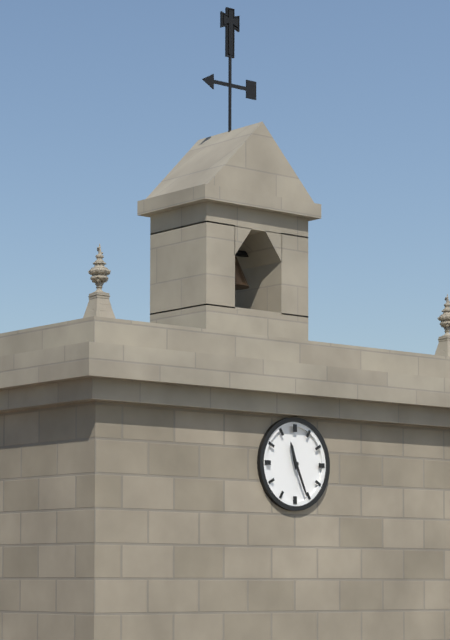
11:26
